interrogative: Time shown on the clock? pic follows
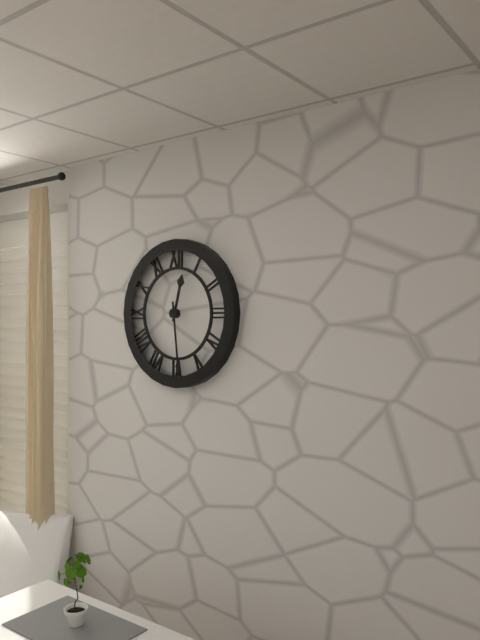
12:29
